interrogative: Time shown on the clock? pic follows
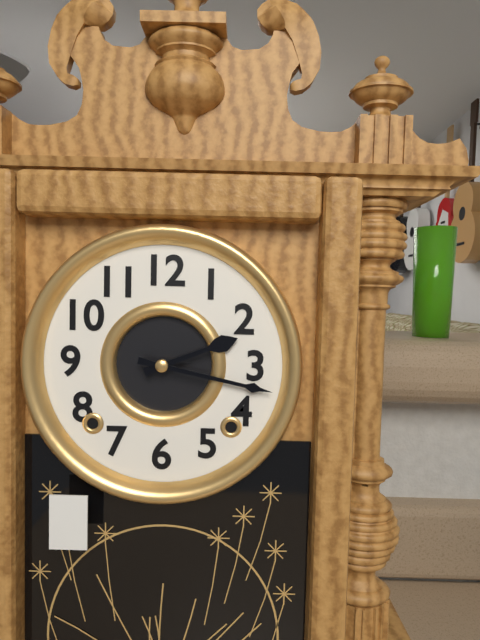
2:17
